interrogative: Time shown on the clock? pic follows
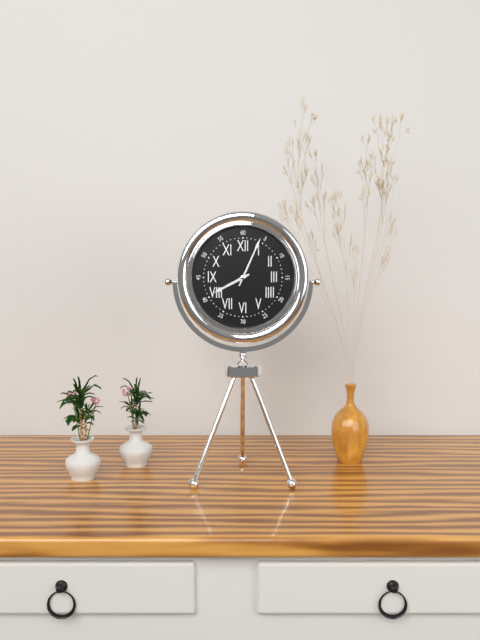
8:04
